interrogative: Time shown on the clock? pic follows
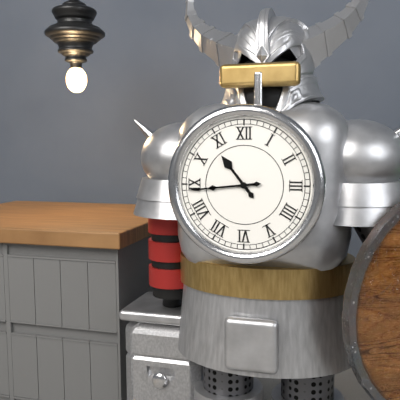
10:44
